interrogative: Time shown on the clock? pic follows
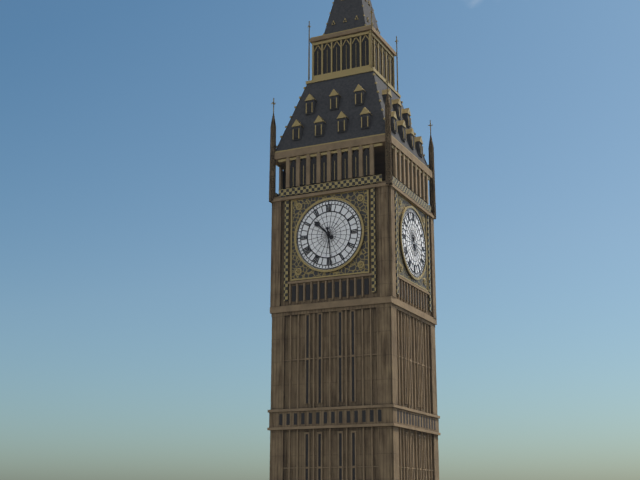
10:29
